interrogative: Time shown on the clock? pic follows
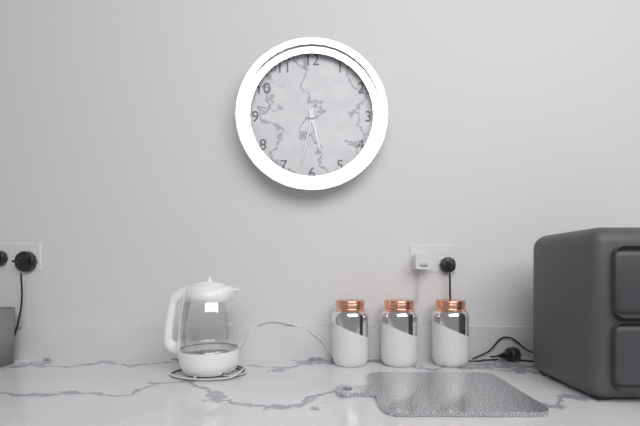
5:32
